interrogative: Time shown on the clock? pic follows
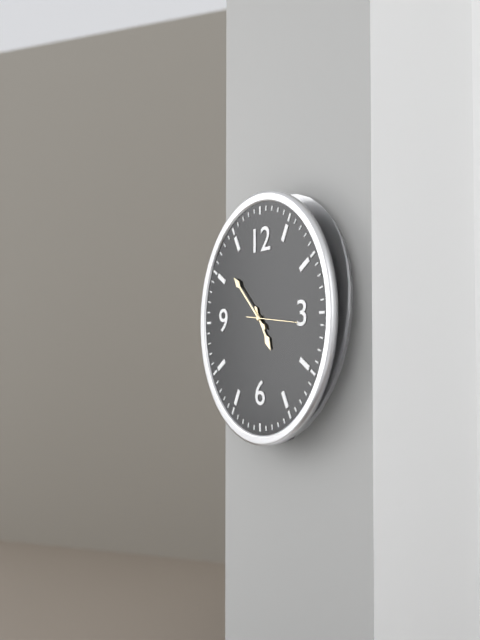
4:52
